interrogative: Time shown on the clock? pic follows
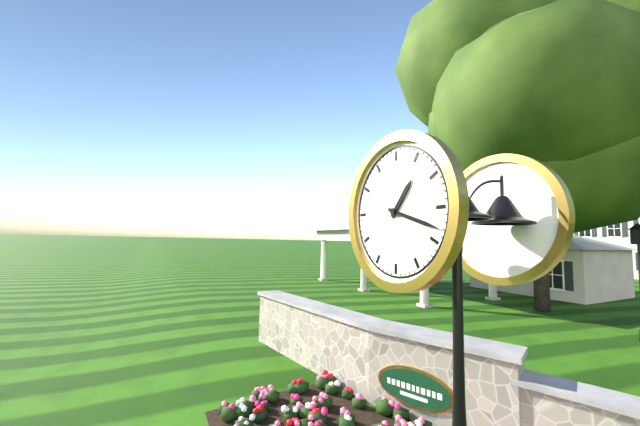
1:18
